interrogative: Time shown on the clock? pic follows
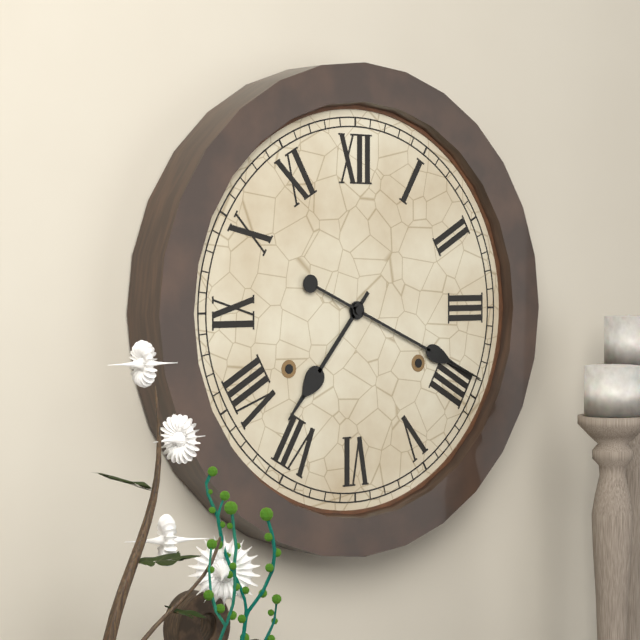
7:19
